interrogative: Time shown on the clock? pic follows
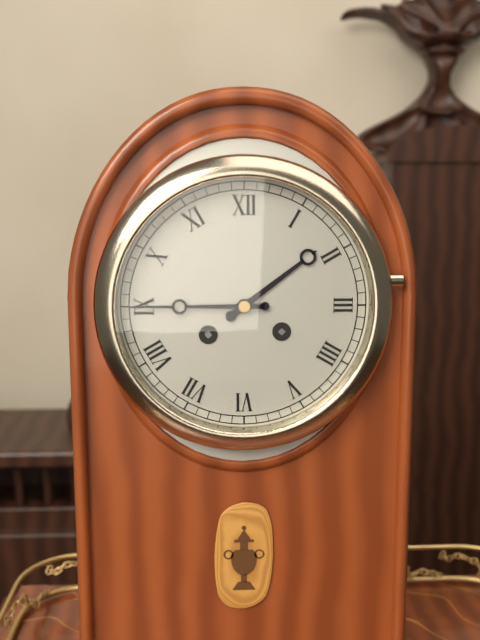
1:45
